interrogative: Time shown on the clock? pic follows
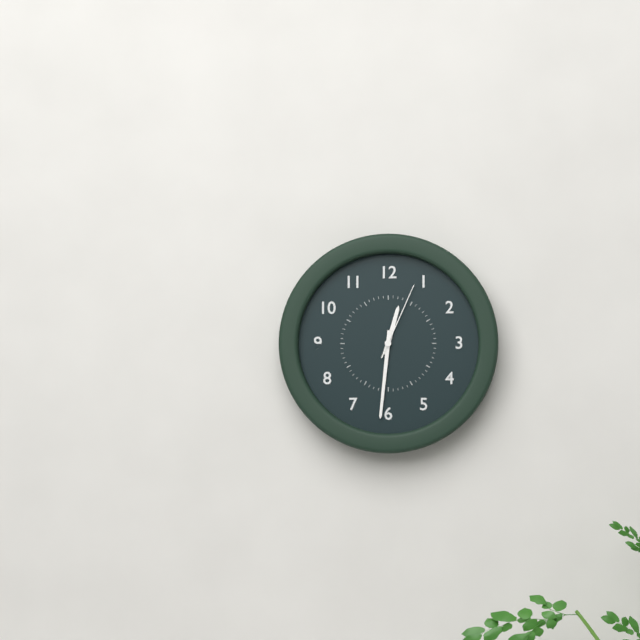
12:31:04
